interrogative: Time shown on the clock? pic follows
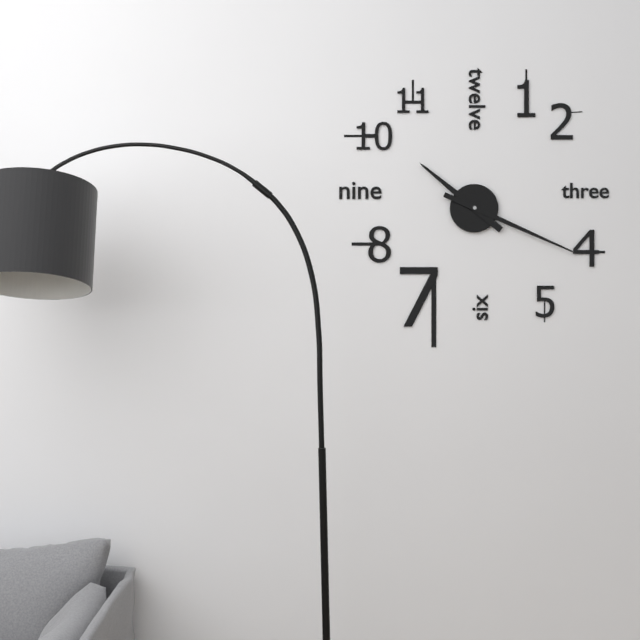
10:19
